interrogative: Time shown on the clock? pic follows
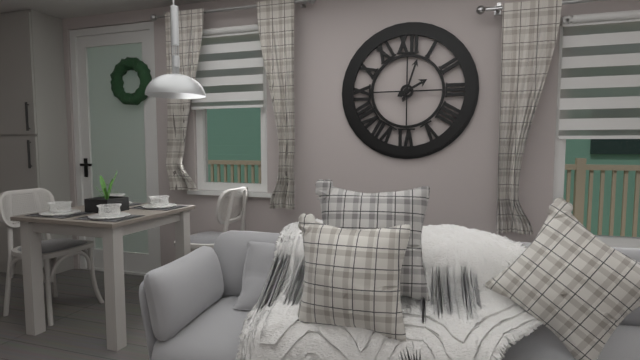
2:03
